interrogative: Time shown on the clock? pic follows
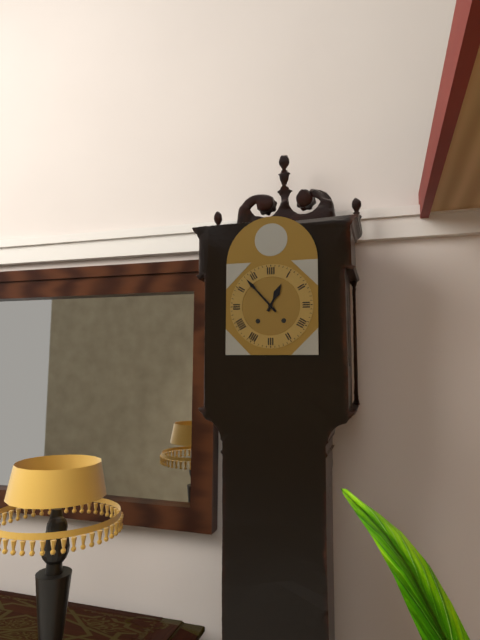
12:53
